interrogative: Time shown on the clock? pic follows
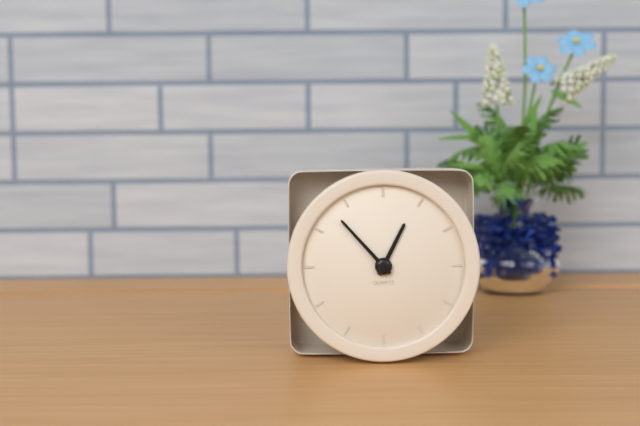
12:53
